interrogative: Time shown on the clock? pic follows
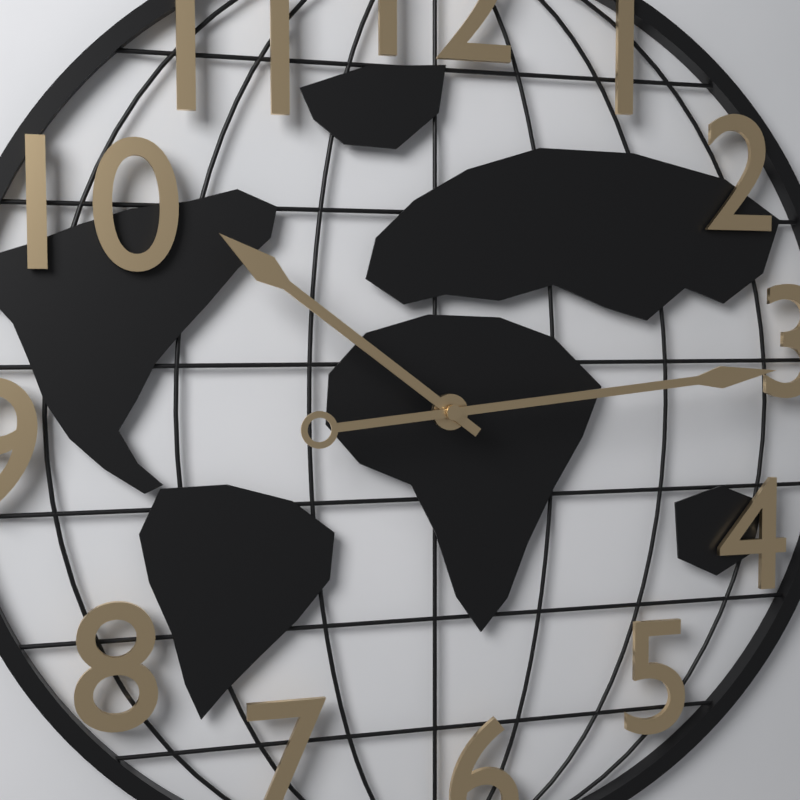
10:14
